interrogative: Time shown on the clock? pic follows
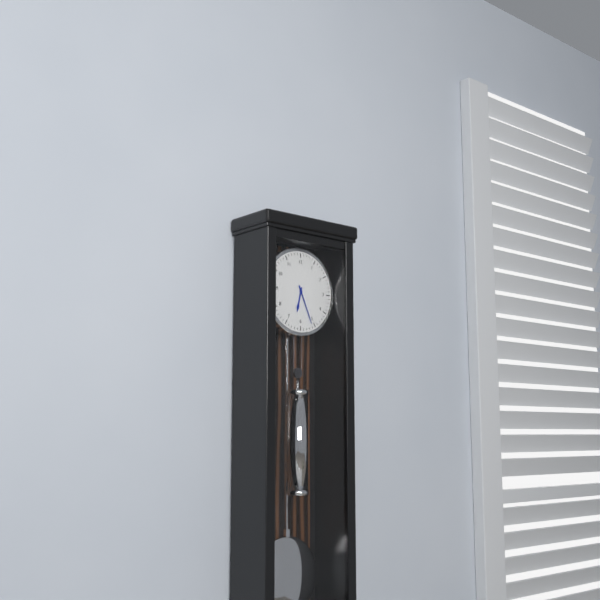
6:26
